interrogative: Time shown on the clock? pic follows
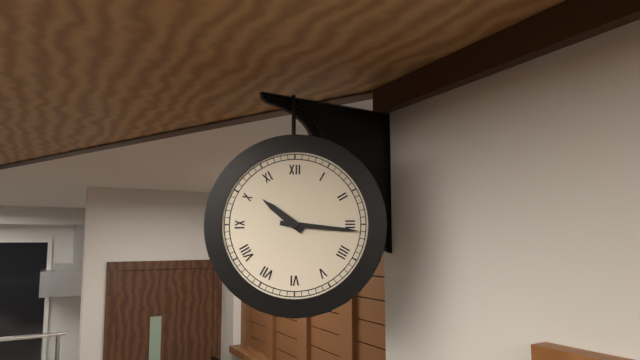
10:16
